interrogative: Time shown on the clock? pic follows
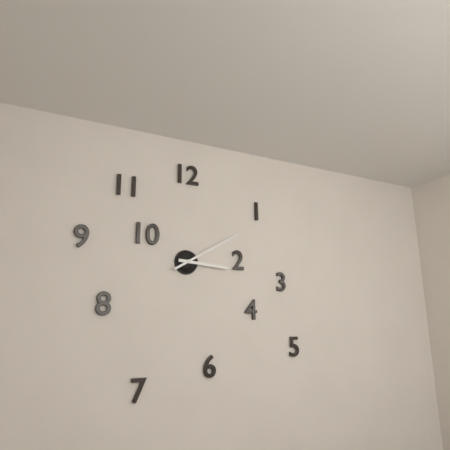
3:10
